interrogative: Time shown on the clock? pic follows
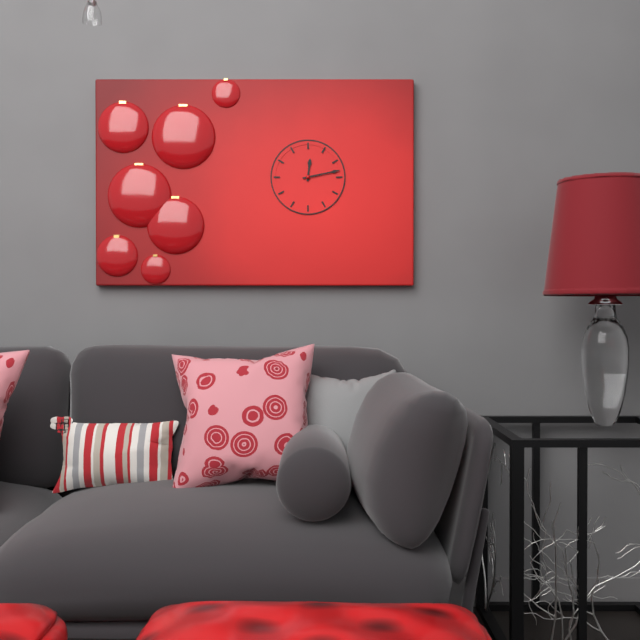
12:13
